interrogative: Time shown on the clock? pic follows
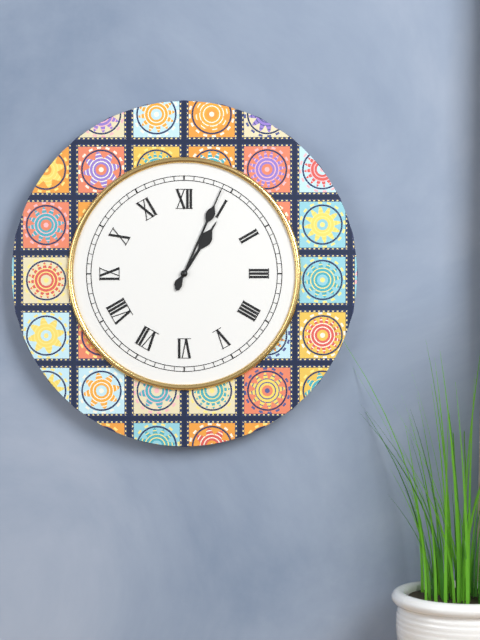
1:04
